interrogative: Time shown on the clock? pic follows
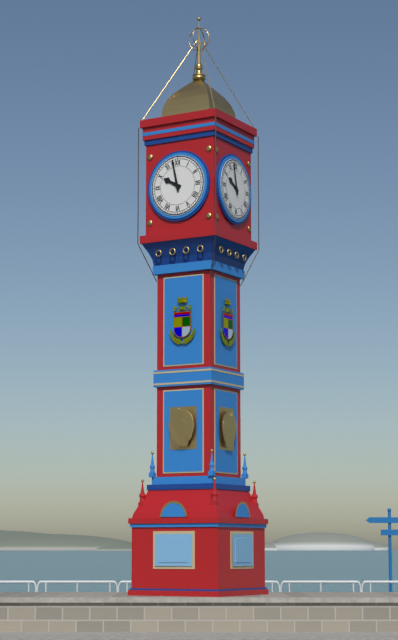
9:58
